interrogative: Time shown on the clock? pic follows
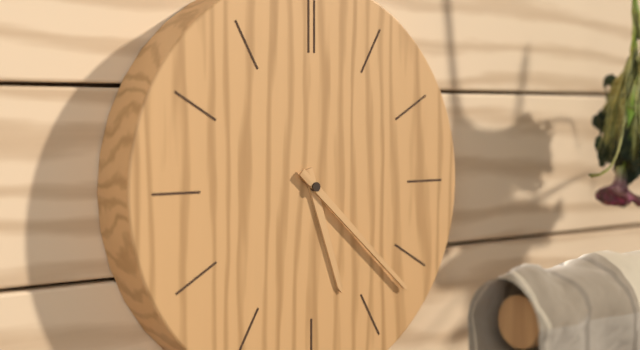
5:22
